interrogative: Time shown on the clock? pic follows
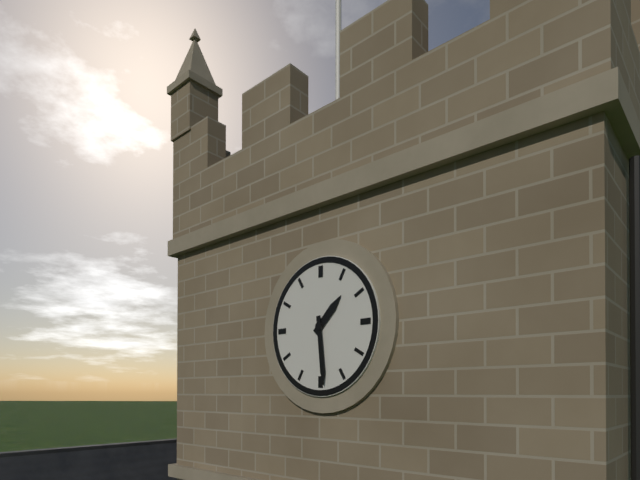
1:29
